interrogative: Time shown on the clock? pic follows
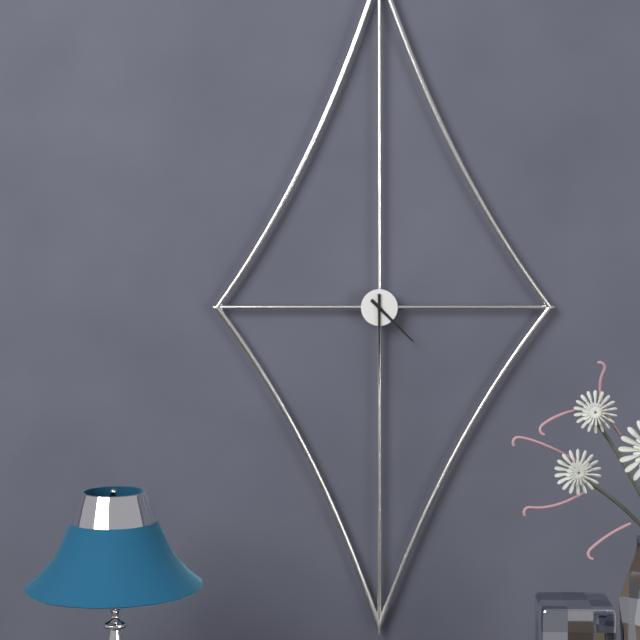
4:30
